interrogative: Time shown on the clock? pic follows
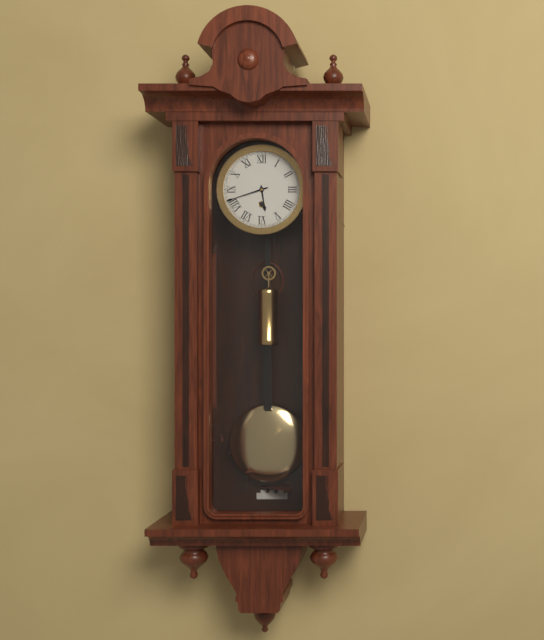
5:42
